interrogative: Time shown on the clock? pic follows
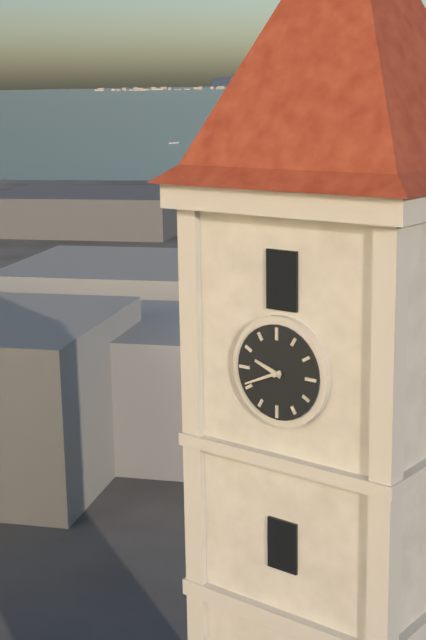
9:41
